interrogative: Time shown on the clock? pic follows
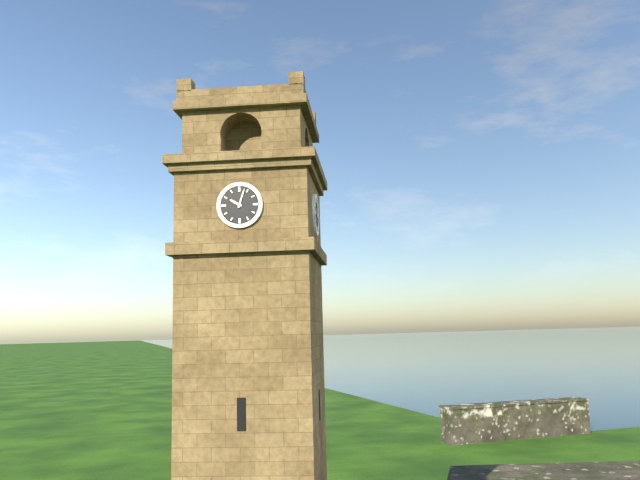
10:03
